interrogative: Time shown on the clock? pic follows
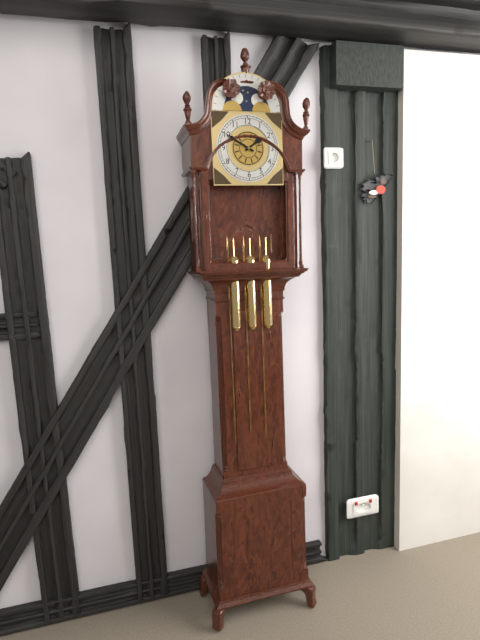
1:50
